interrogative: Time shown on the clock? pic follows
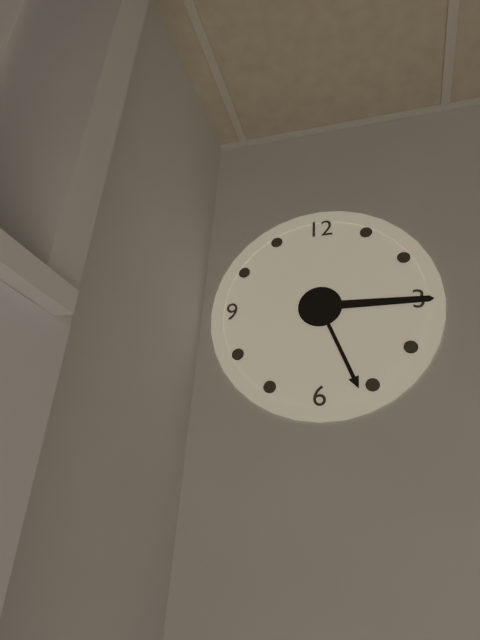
5:15
